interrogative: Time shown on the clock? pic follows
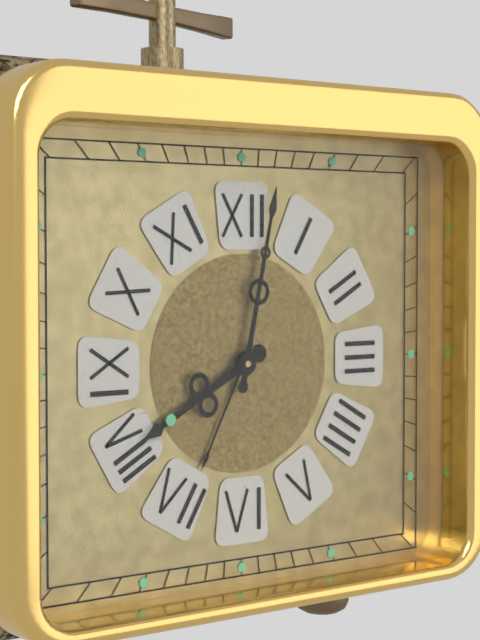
8:02
